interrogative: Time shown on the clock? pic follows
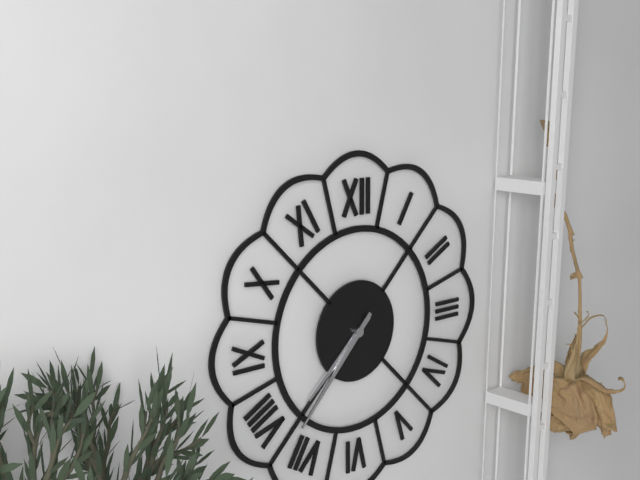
7:37
